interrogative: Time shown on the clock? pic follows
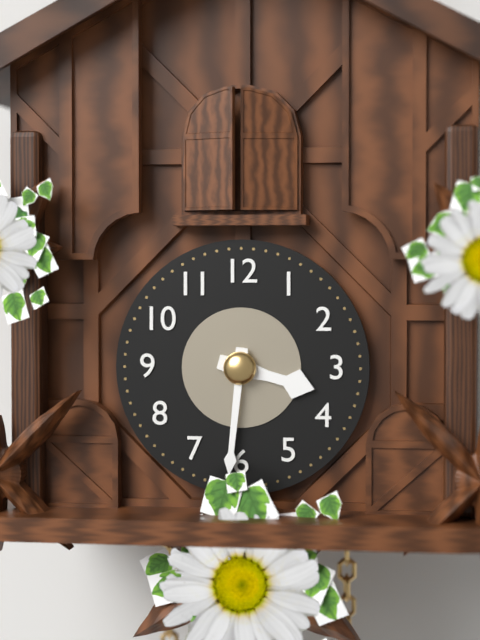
3:31
